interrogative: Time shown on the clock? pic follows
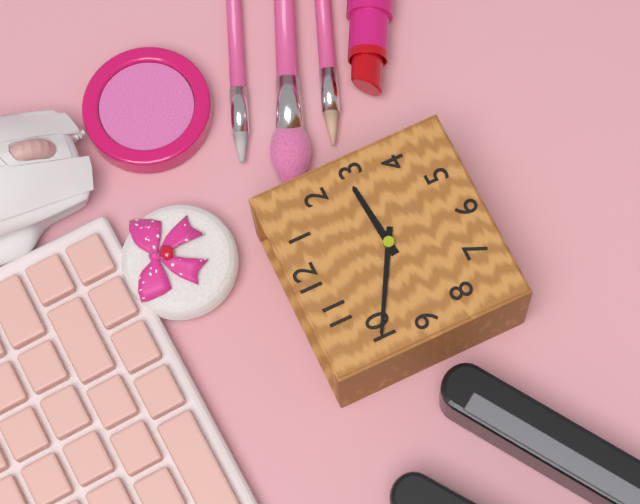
2:50
